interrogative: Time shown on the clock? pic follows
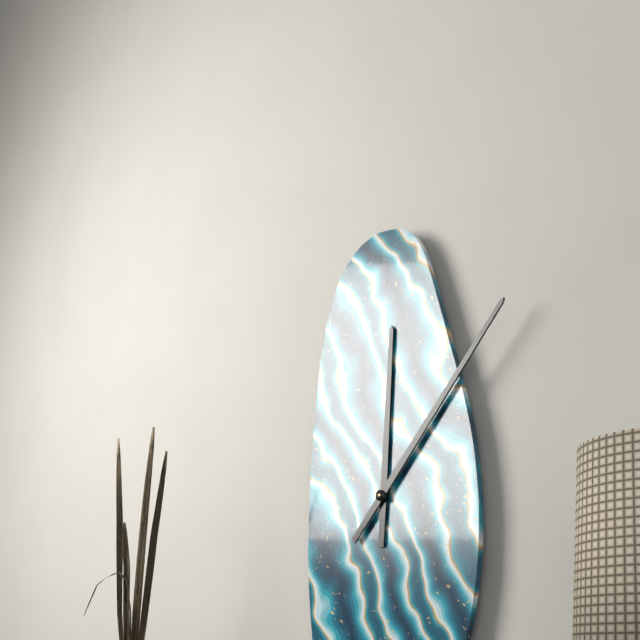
12:07
